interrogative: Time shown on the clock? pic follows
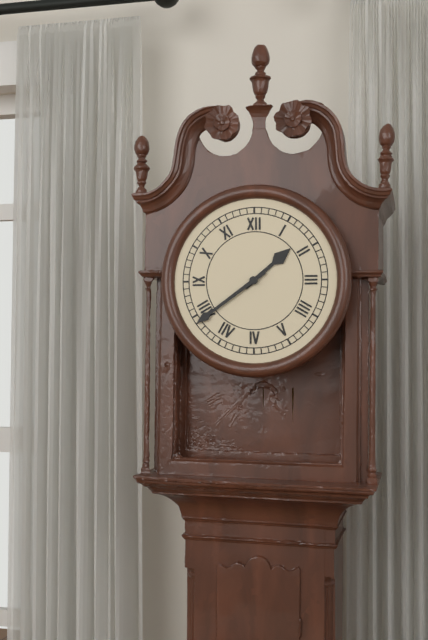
1:39
